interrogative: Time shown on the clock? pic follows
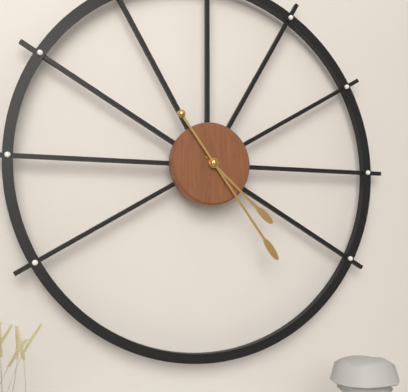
4:24
